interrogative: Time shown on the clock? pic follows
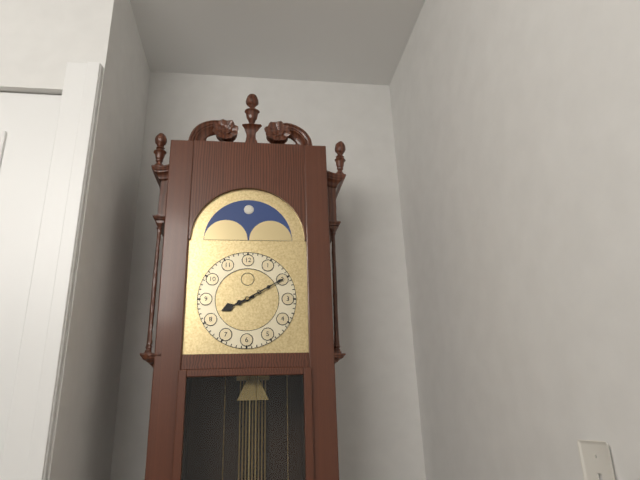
8:10
